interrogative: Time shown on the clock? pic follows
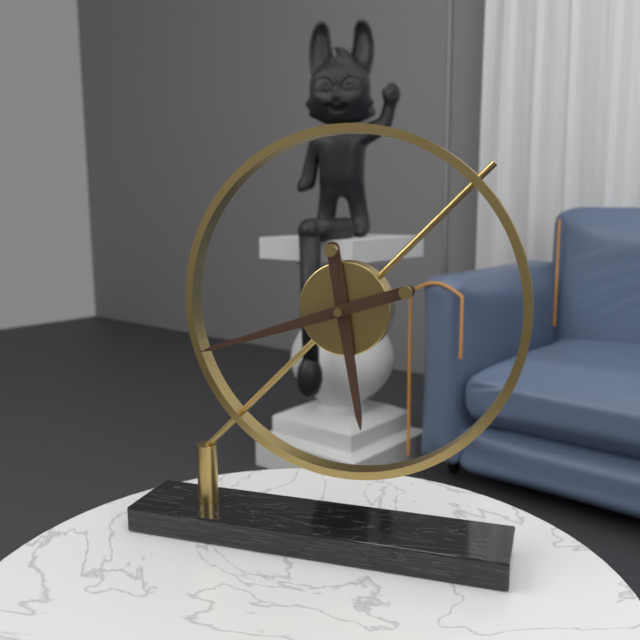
5:42
